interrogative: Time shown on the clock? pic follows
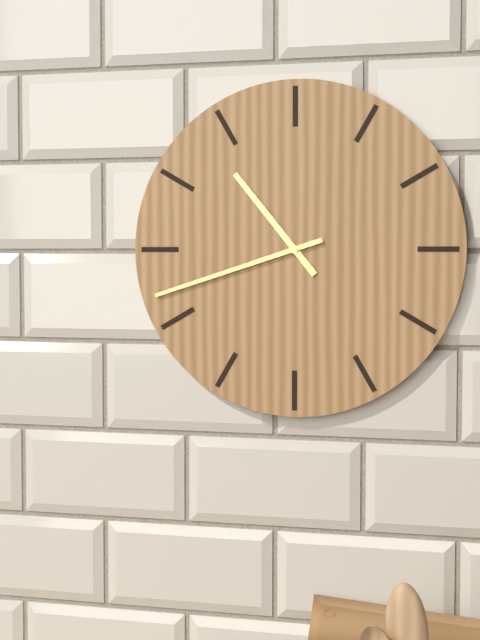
10:42
